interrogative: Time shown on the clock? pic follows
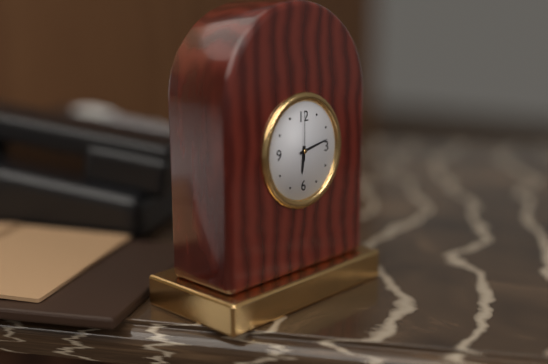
6:13:00
